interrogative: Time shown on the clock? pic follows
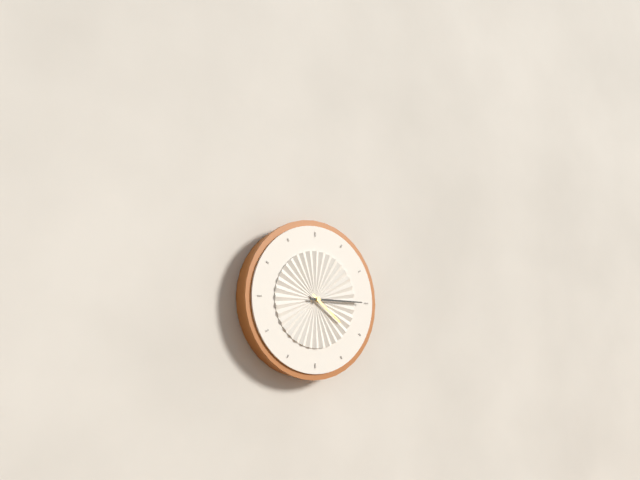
4:15
